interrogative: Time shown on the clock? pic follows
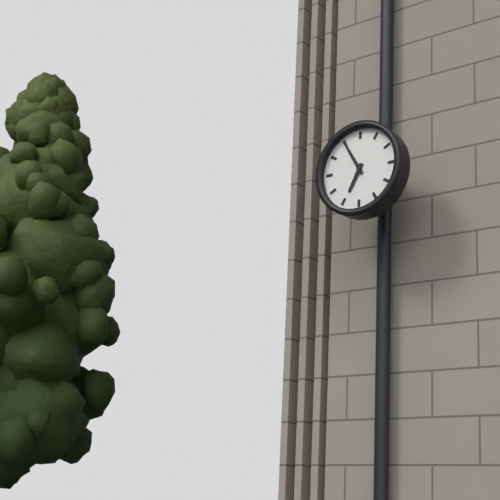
6:55
